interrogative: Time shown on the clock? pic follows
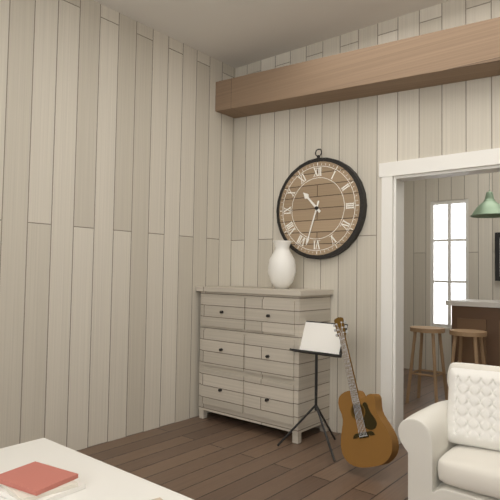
10:33
